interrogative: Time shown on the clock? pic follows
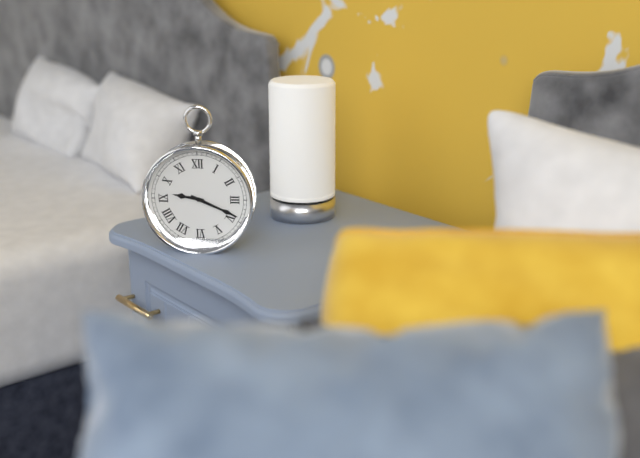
9:19
